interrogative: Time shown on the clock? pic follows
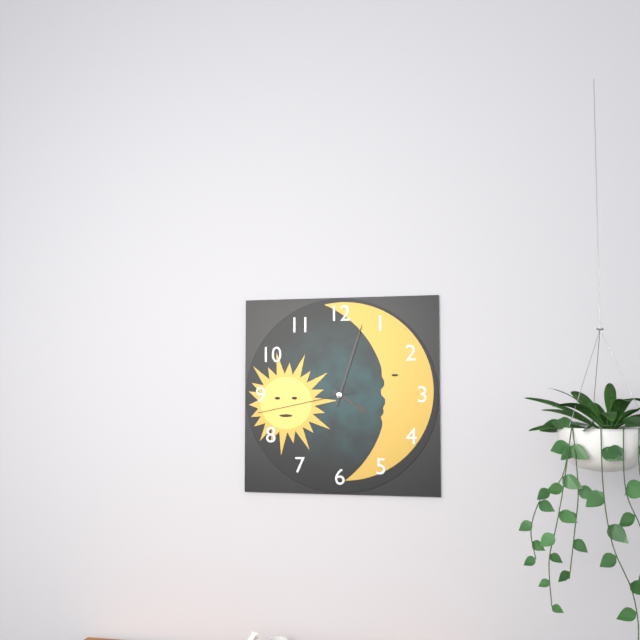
4:03:43
